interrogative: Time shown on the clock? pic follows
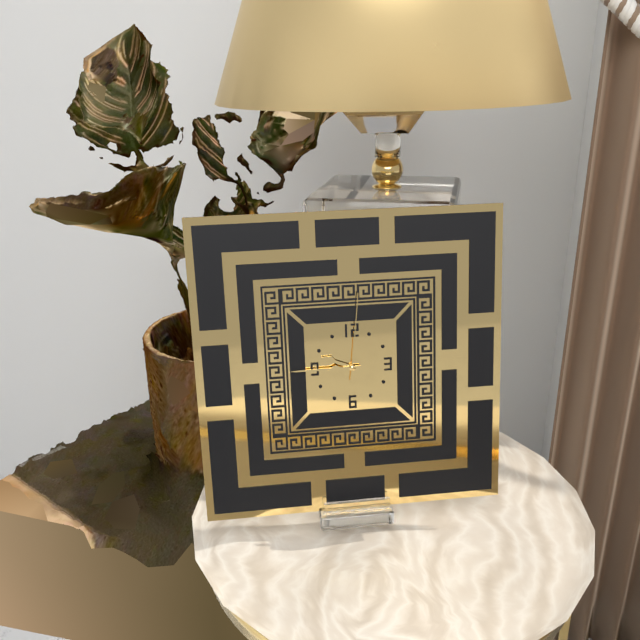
9:45:01
